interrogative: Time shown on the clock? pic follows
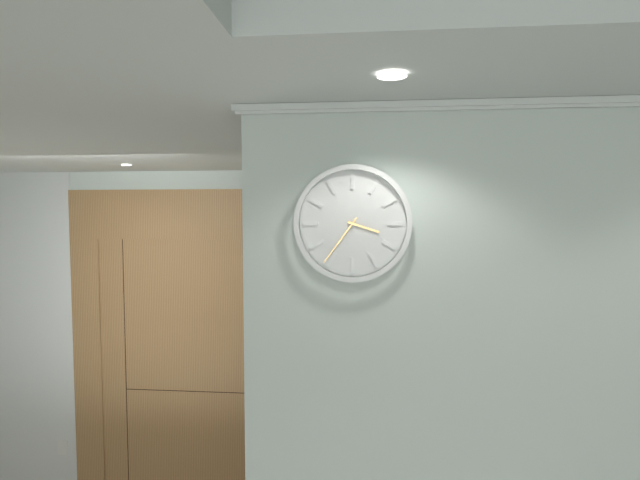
3:36
